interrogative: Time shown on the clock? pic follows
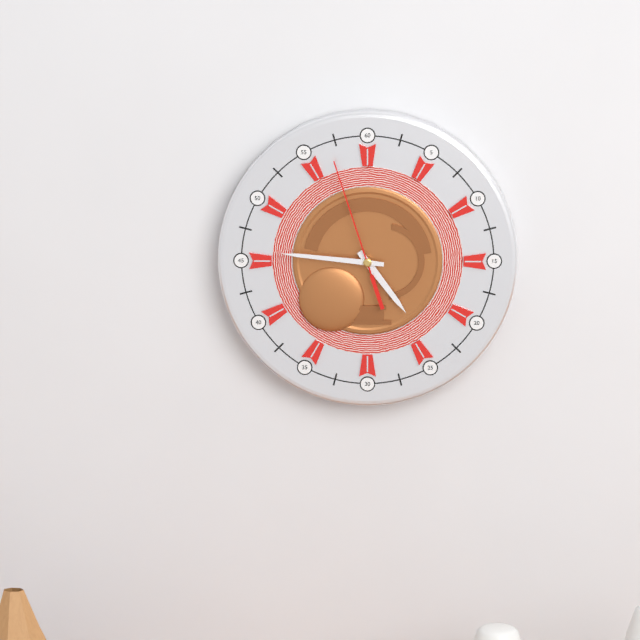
4:46:57
